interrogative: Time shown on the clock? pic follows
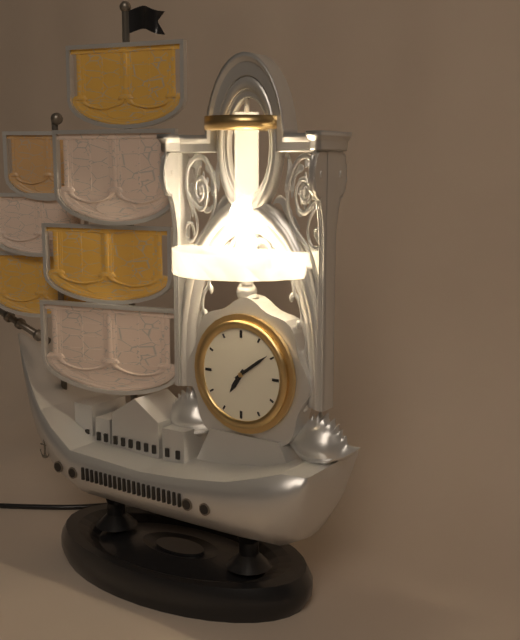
7:09
